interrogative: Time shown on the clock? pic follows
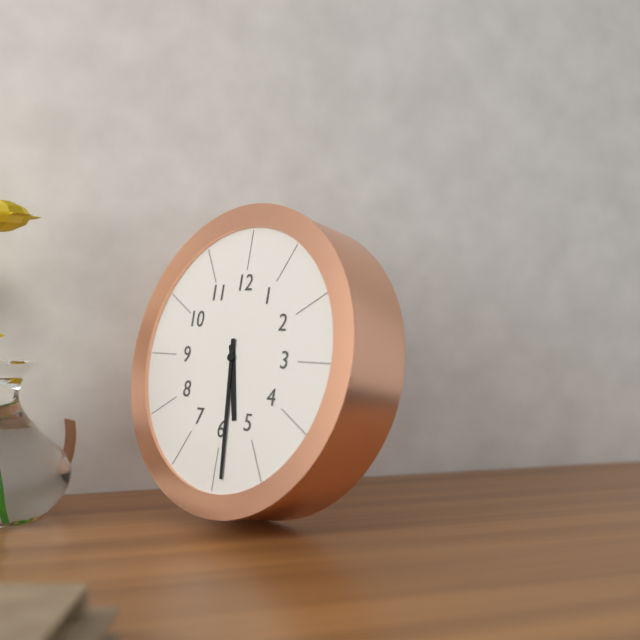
5:29
